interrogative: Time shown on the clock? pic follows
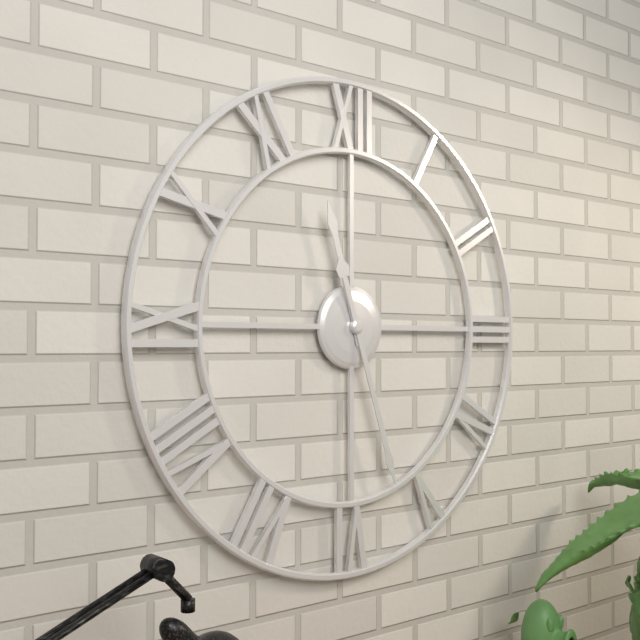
11:27
